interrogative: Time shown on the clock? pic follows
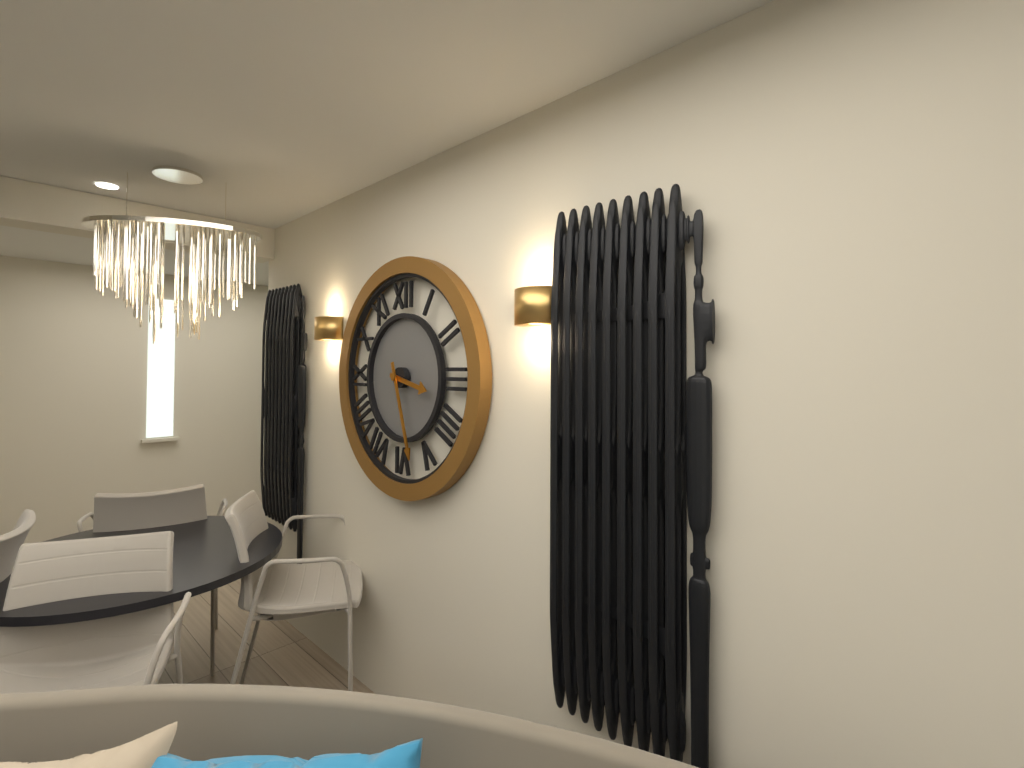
3:27
